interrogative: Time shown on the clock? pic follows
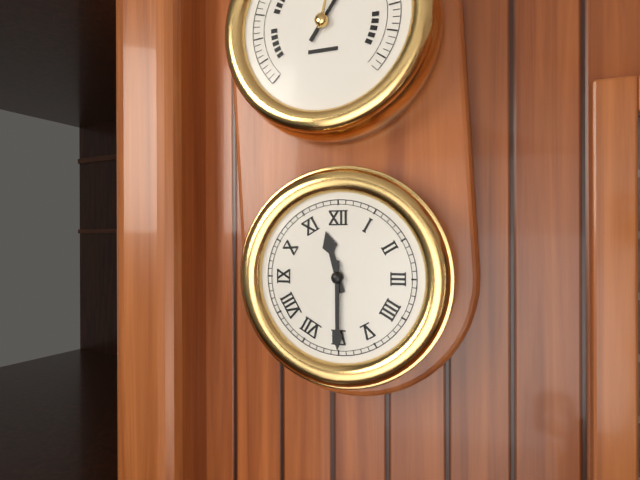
11:30
